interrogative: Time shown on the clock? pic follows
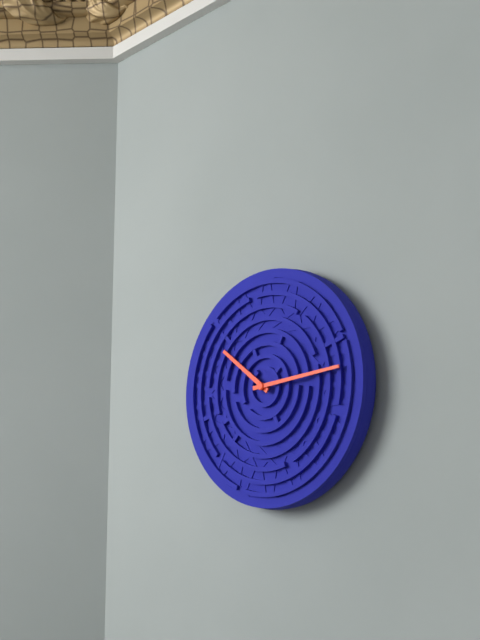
10:14
